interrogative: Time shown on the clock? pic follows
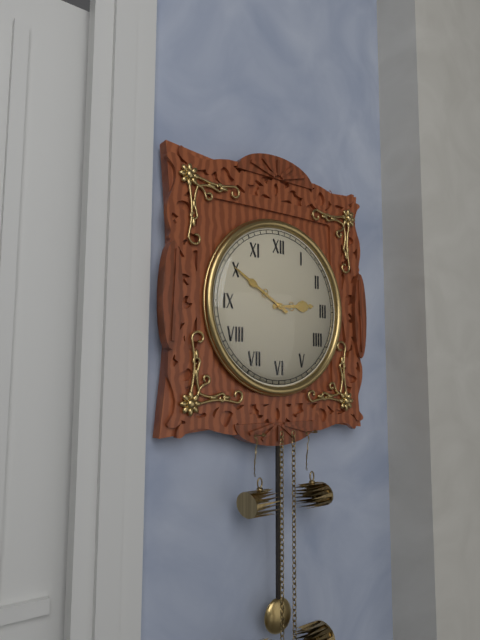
2:50
